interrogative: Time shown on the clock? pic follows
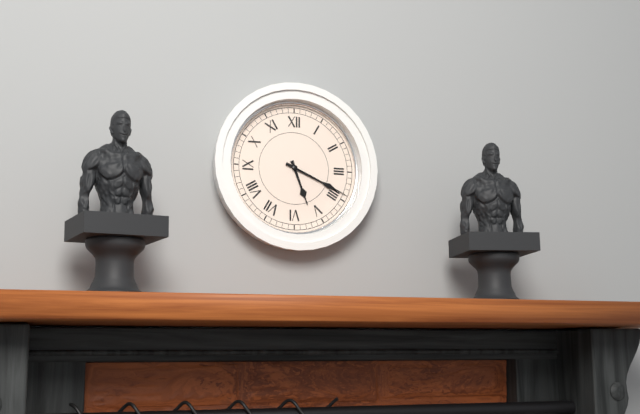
5:19
